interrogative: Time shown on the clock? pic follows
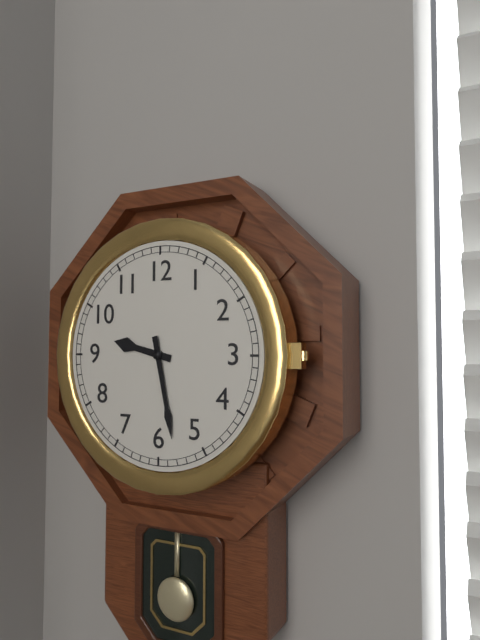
9:28
